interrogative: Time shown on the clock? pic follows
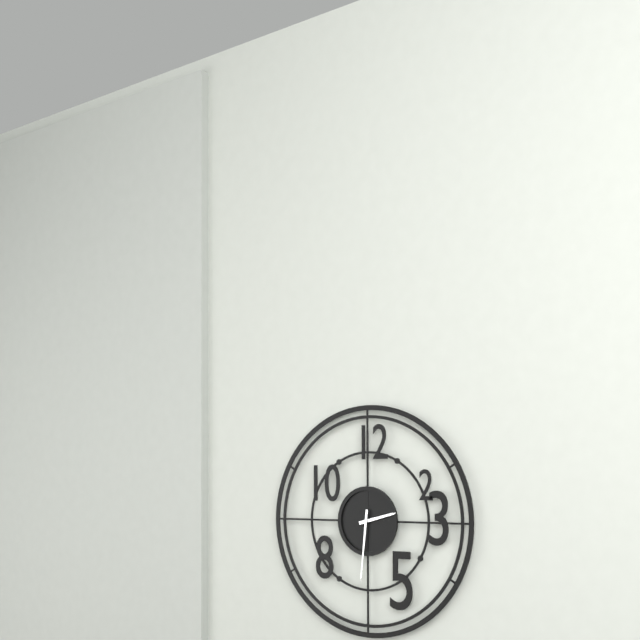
2:31
